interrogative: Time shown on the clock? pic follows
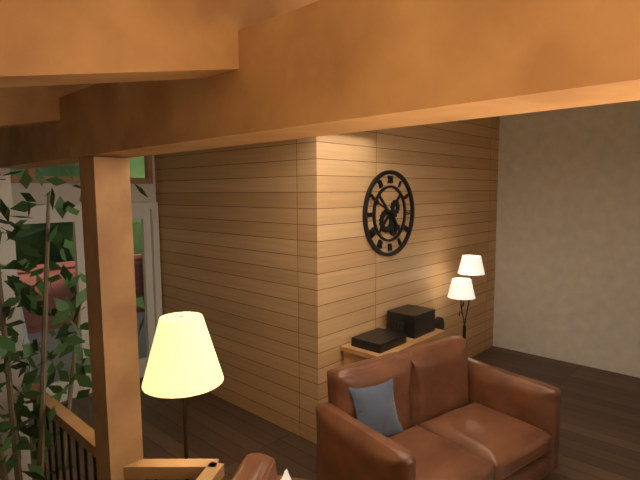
4:49
